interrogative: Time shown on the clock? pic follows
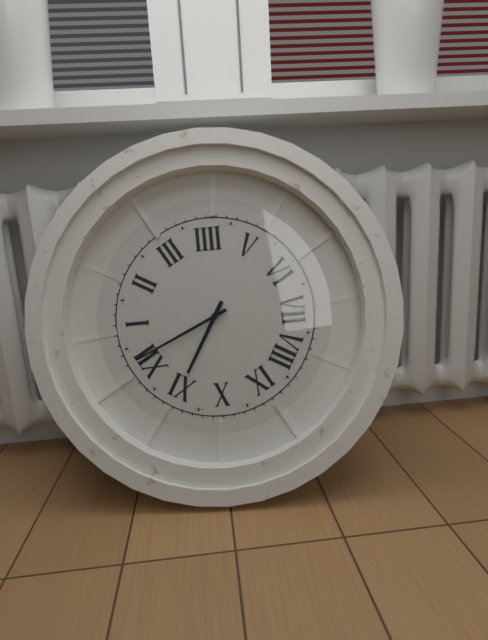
11:01
